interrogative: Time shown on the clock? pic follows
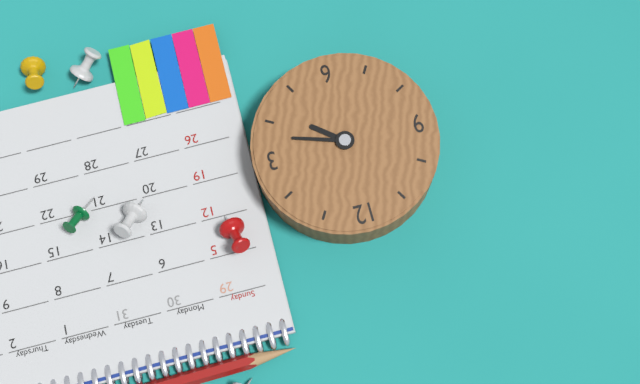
4:18
